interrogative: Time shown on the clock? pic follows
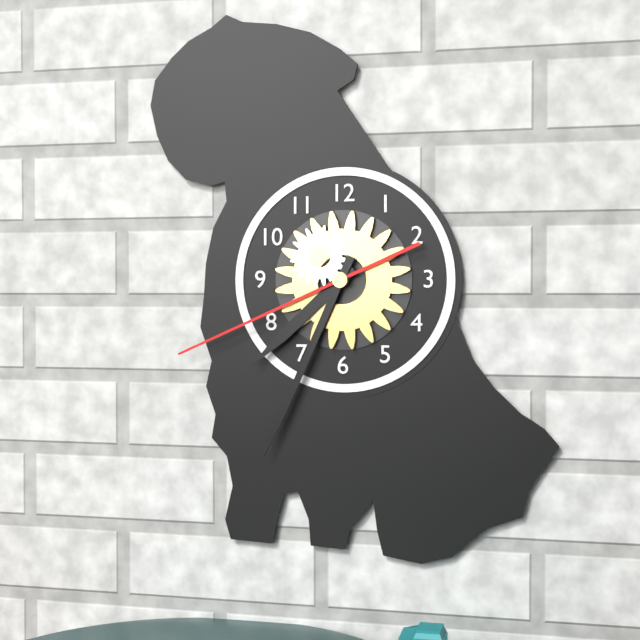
7:34:41
